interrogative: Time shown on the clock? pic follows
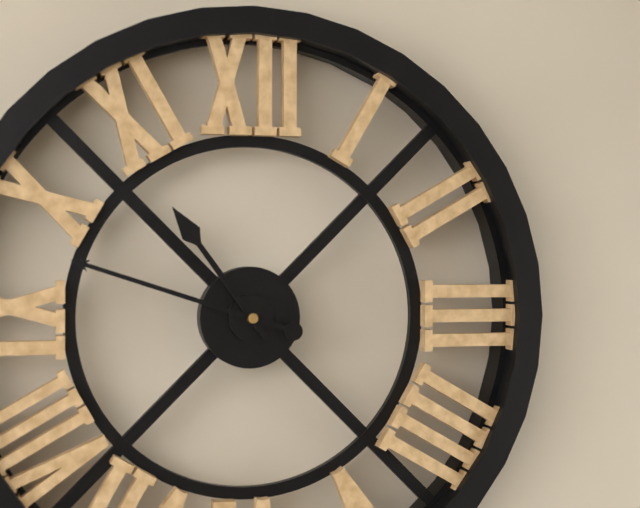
10:48
